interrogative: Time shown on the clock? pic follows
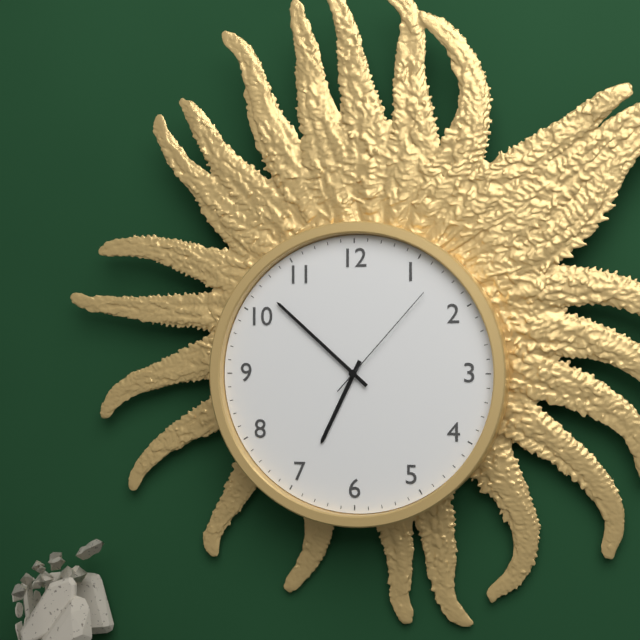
6:52:07
